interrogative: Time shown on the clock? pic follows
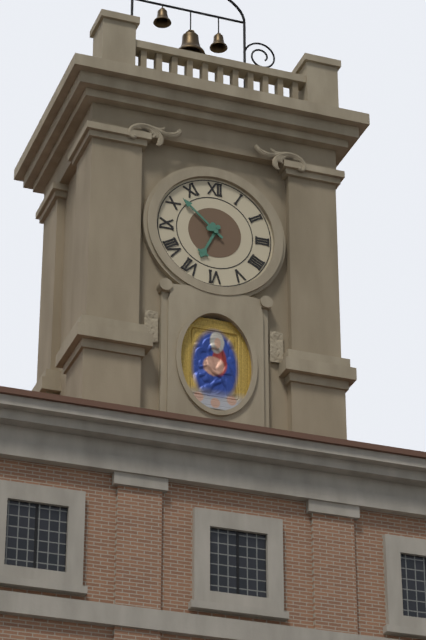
6:52
